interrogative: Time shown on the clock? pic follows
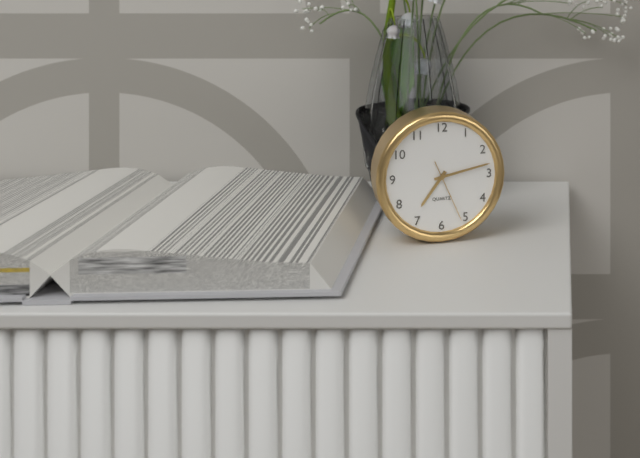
7:13:26
